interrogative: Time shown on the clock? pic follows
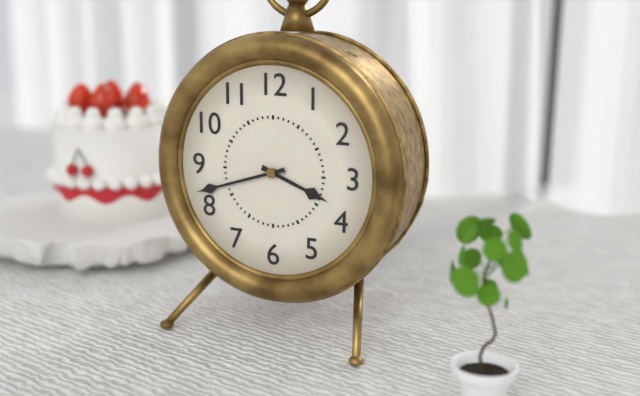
3:42
